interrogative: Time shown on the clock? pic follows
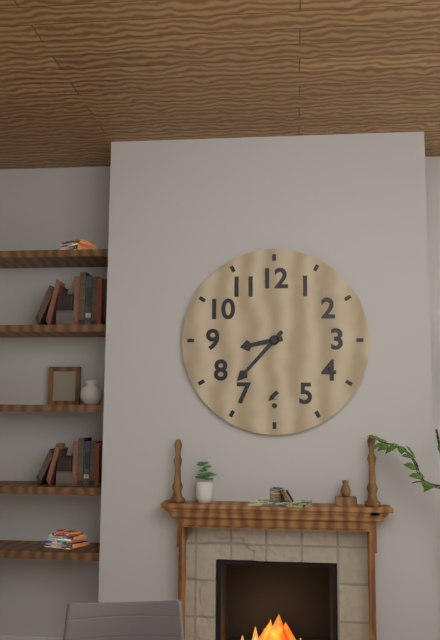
8:37
